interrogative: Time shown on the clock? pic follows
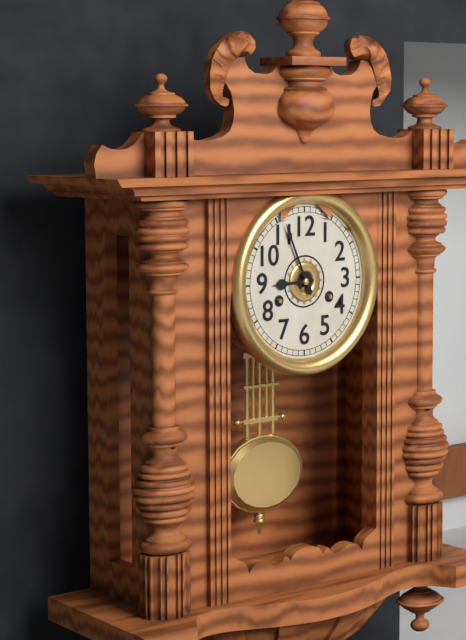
8:56
